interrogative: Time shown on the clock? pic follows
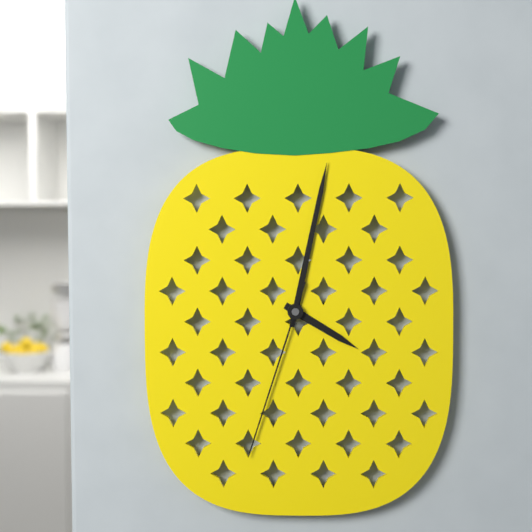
4:02:33
